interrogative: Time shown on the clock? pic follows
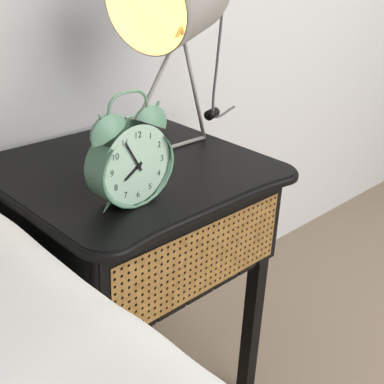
7:55
